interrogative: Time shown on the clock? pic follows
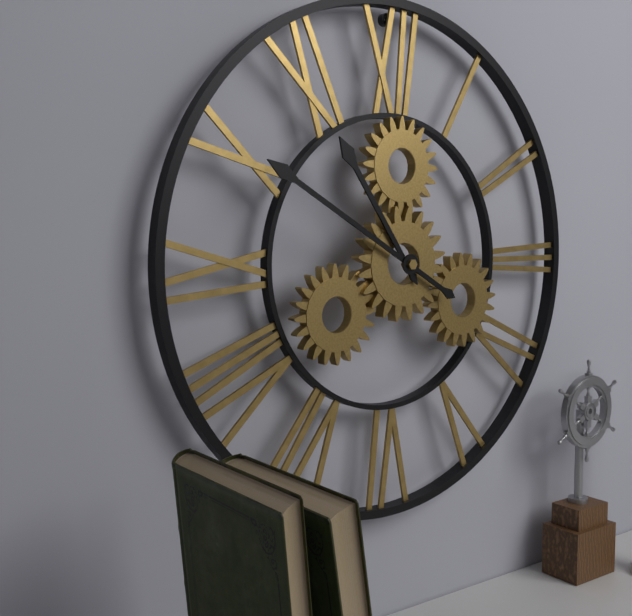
10:50
